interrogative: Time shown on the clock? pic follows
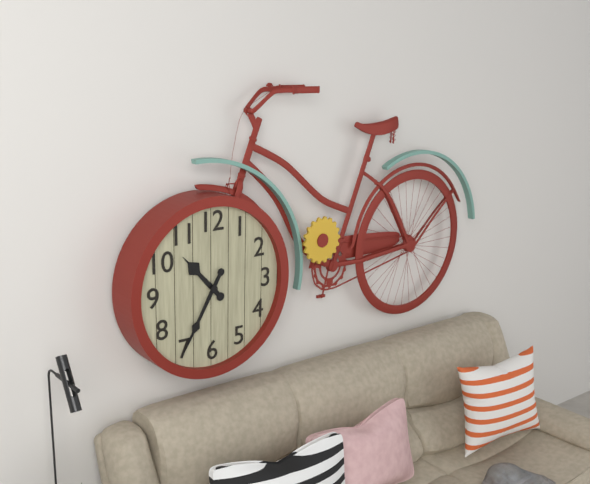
10:35
